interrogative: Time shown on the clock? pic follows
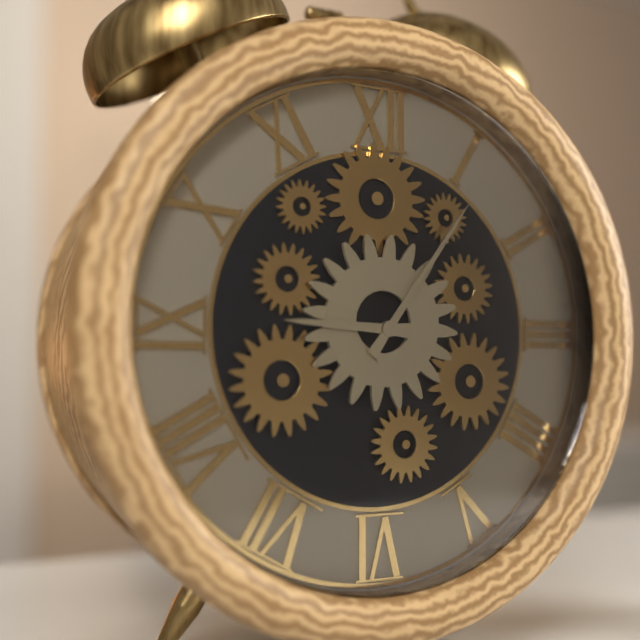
9:06
